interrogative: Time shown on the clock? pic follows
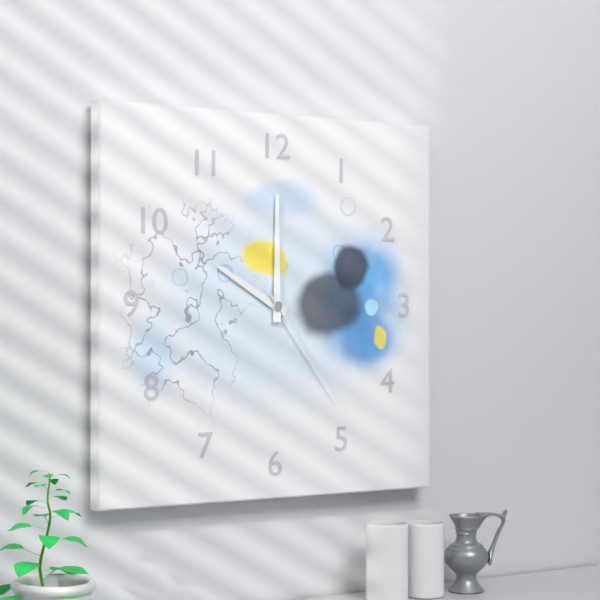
10:00:24
